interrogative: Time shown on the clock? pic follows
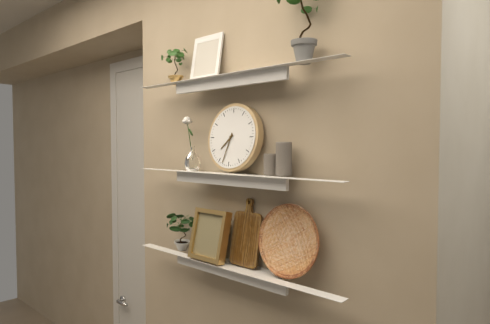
7:33
